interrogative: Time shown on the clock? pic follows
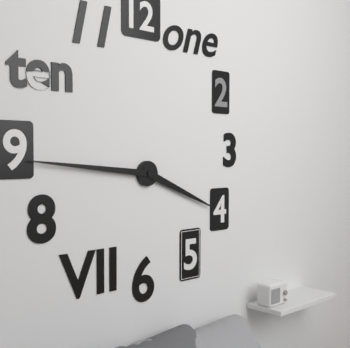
3:46
